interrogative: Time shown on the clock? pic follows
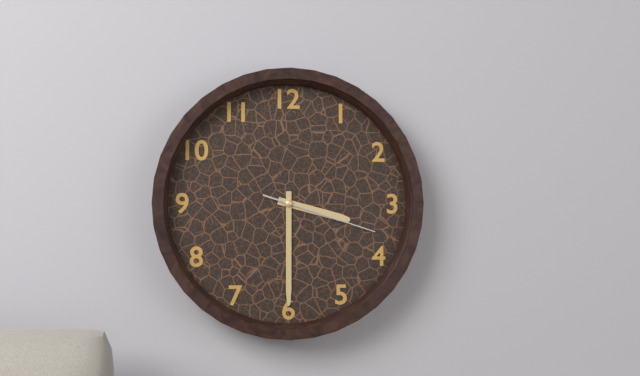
3:30:18
